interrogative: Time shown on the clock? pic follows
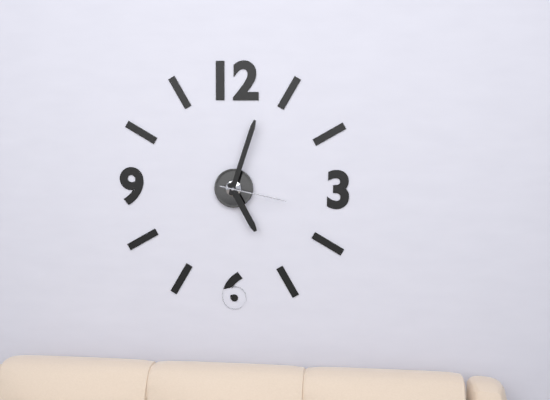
5:03:17
